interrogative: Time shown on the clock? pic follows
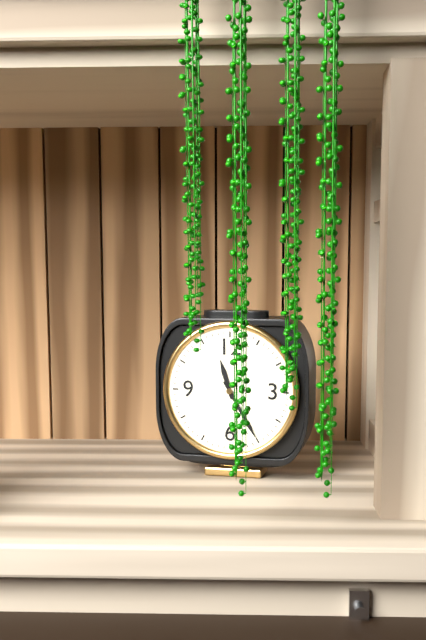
11:25
